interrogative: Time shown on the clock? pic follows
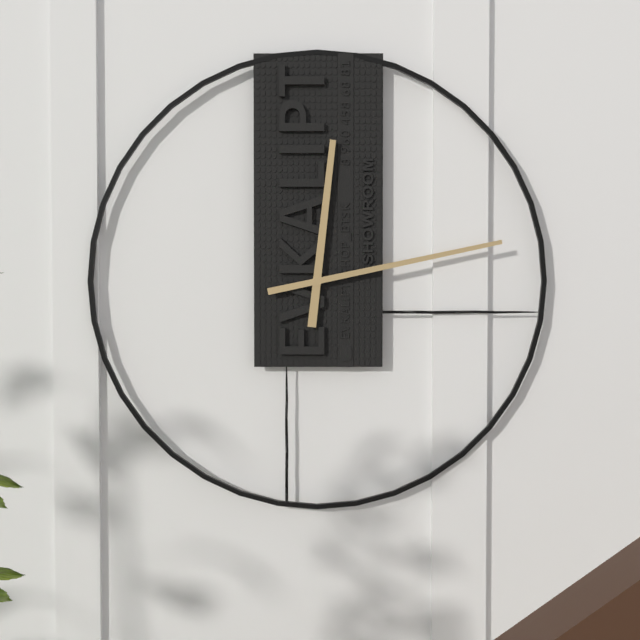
12:13
